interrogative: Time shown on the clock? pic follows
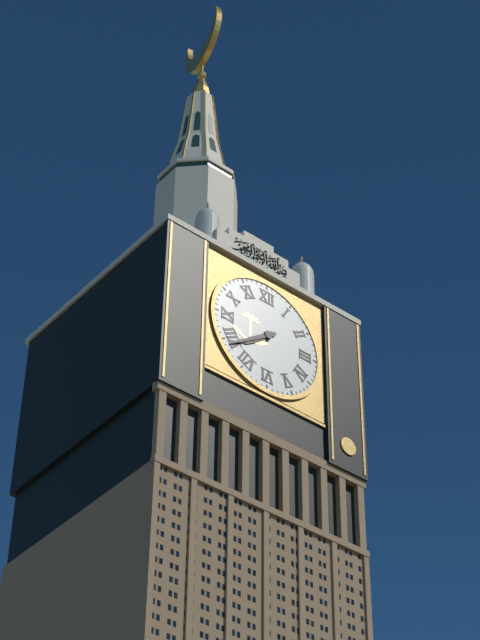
7:39
